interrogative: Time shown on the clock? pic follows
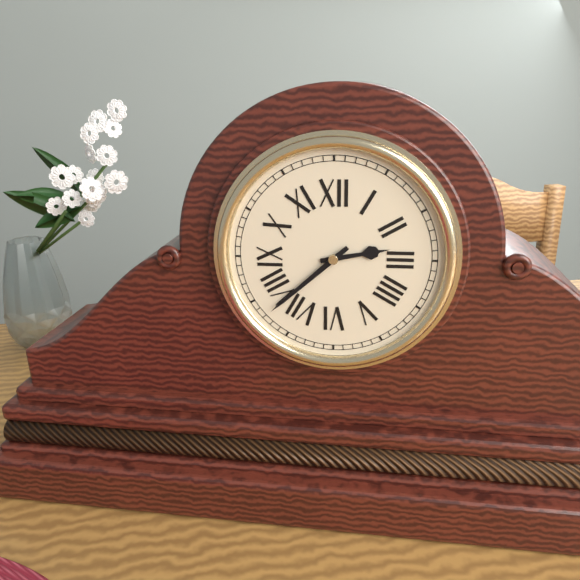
2:38
